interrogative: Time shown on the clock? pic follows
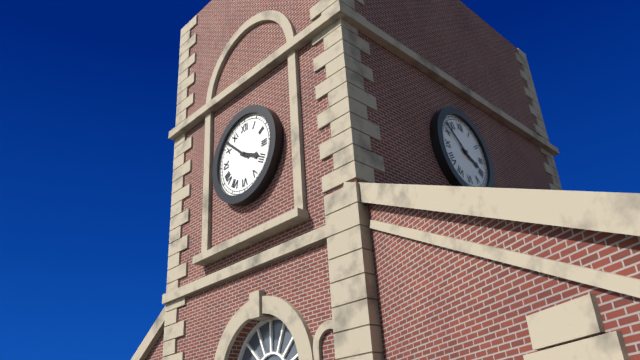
3:52
